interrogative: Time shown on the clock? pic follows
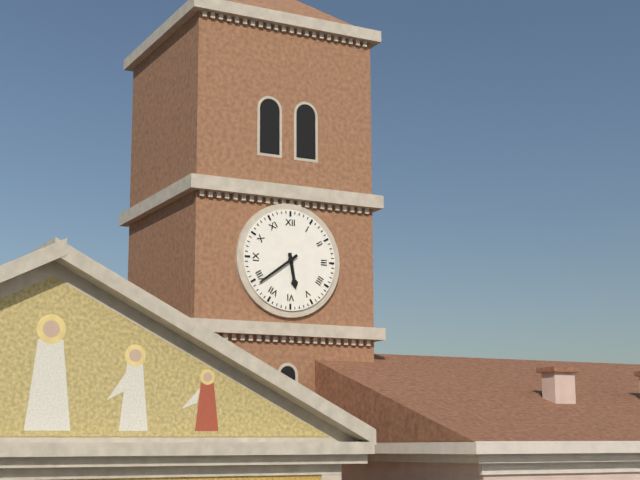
5:39
